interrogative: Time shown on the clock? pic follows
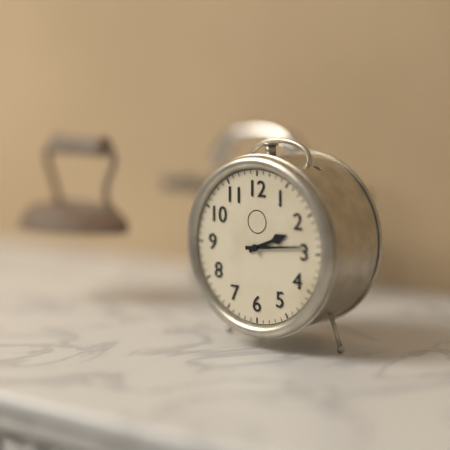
2:14
